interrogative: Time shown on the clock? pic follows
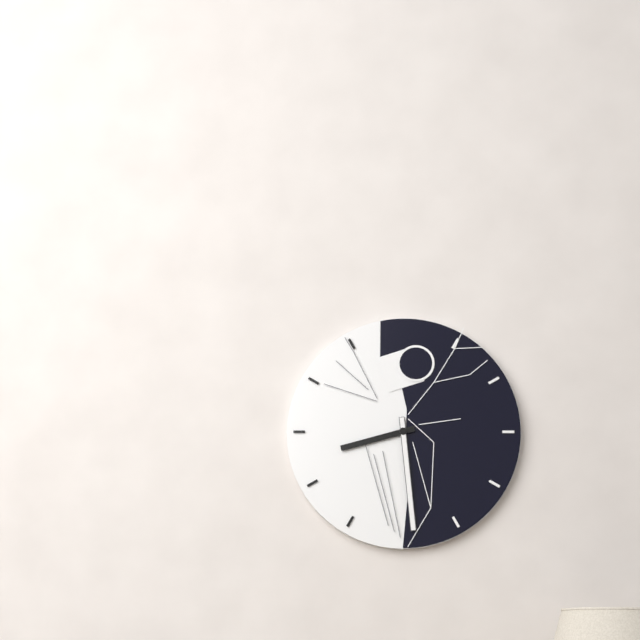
8:29
